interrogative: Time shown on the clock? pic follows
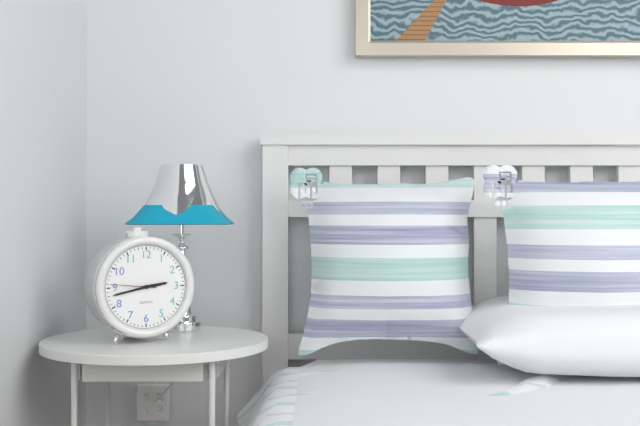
2:43
